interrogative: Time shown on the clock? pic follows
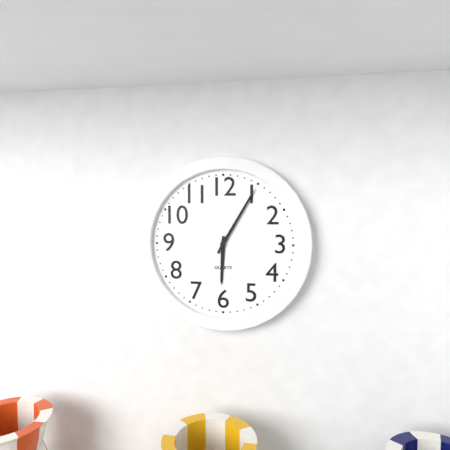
6:05
